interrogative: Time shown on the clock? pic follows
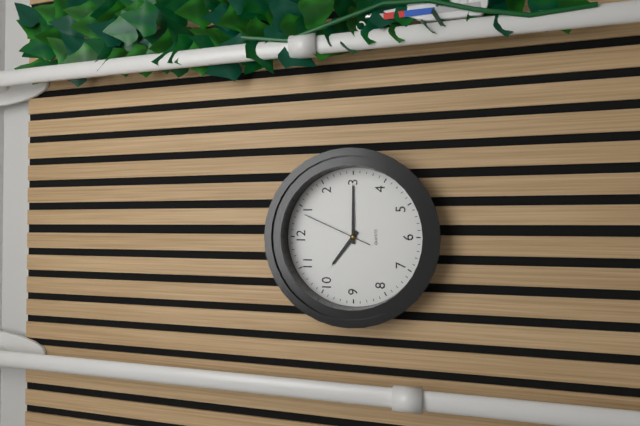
10:15:04
